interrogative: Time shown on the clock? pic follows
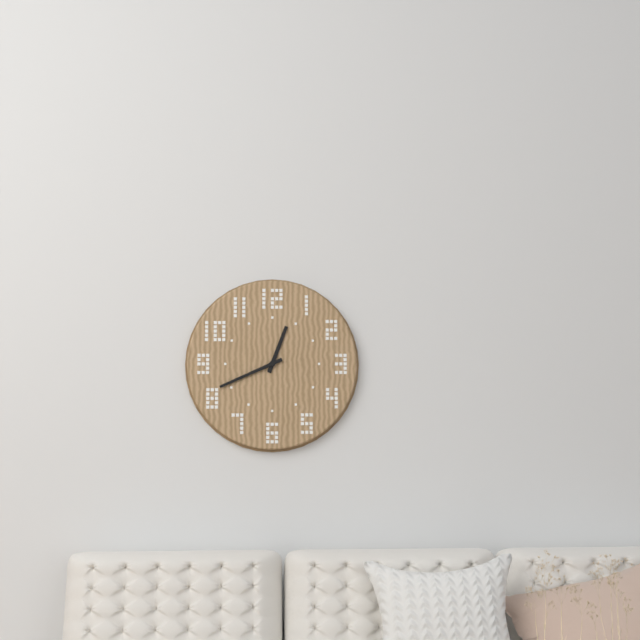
12:41
